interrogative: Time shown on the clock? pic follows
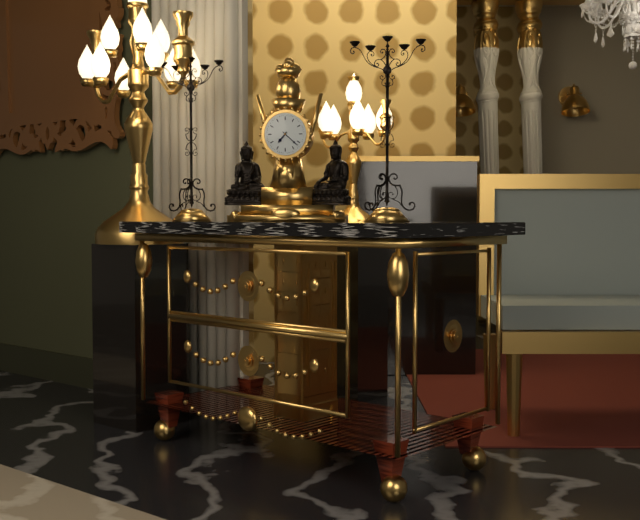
7:22
